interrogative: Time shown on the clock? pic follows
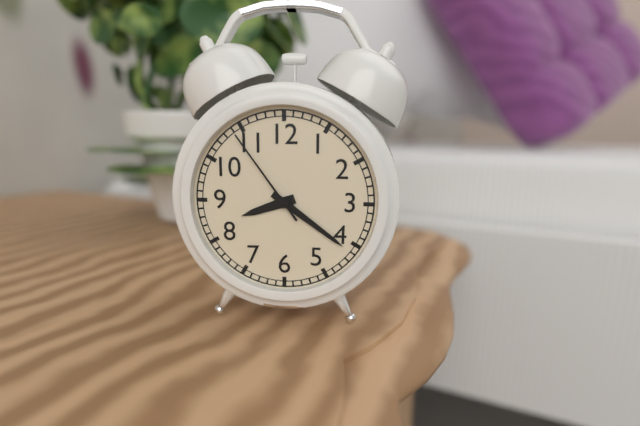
8:21:54
